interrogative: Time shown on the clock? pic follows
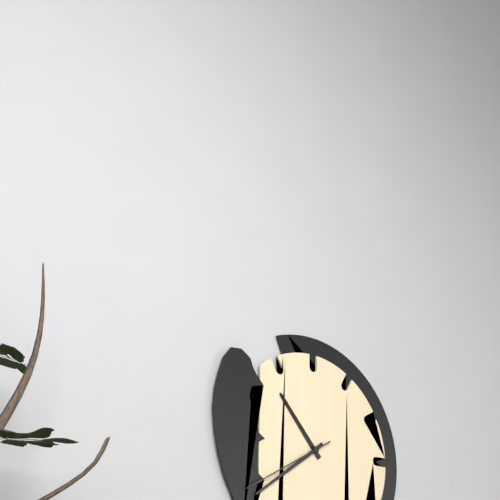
10:39:40
